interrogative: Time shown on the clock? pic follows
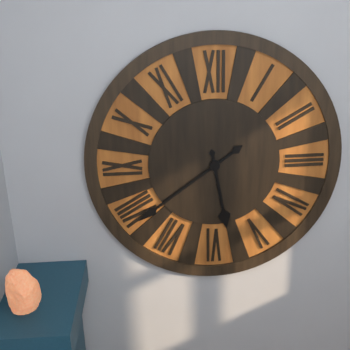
5:39
